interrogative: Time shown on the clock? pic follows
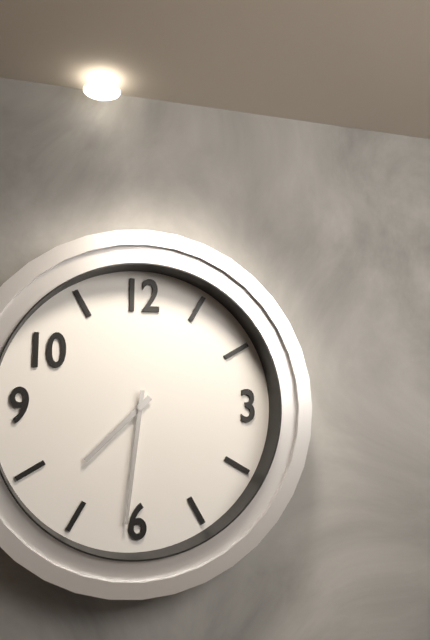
7:31
